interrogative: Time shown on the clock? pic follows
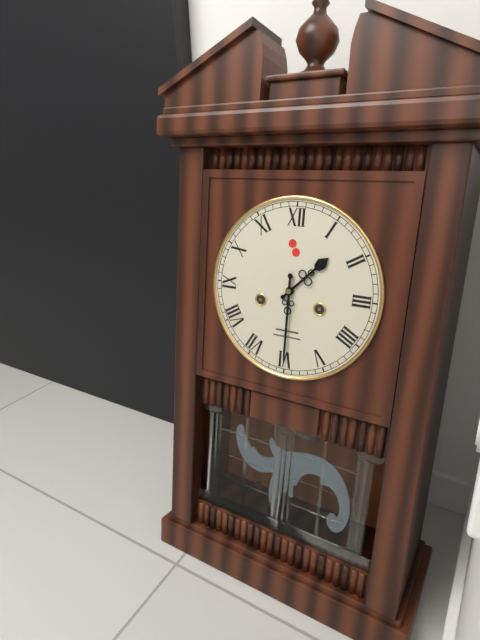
1:30
